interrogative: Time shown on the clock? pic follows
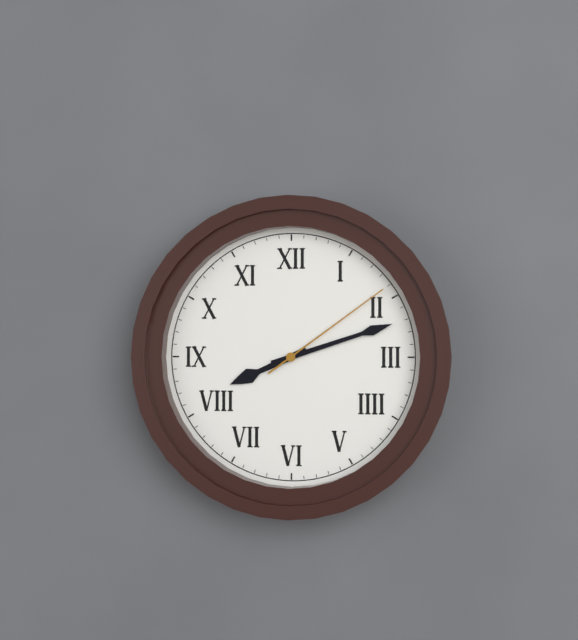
8:12:09
